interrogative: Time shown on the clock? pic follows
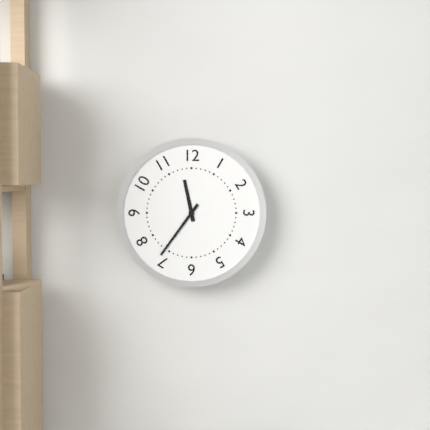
11:36
